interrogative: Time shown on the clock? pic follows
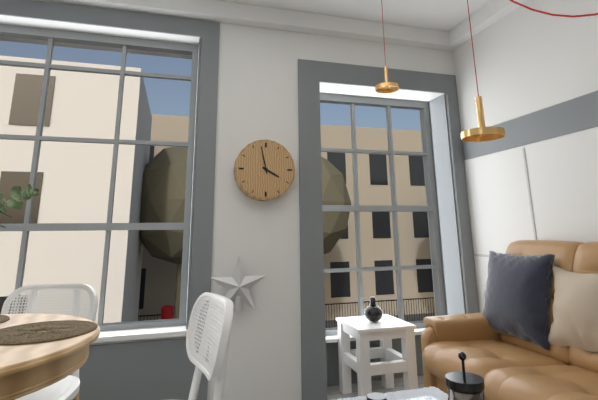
3:58
